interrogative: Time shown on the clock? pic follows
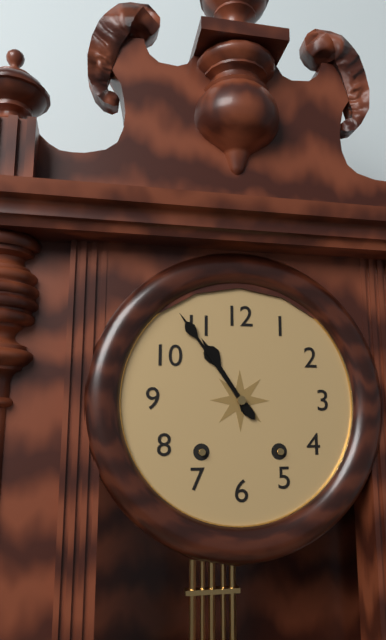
10:54
